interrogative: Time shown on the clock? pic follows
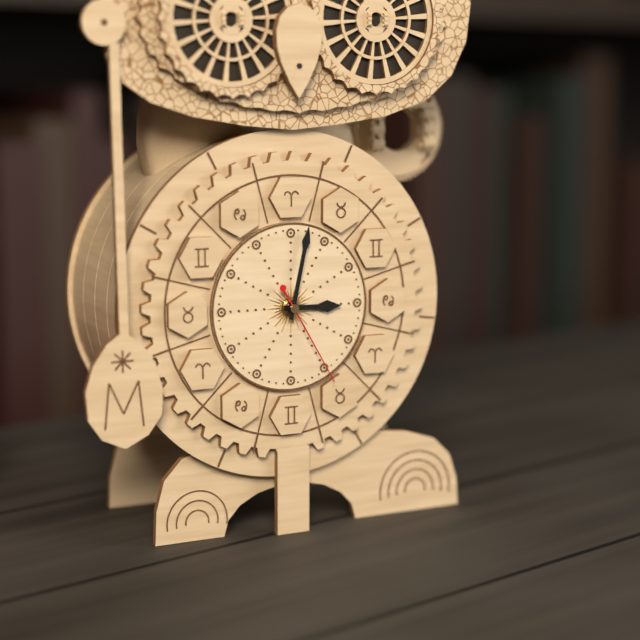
3:02:25
